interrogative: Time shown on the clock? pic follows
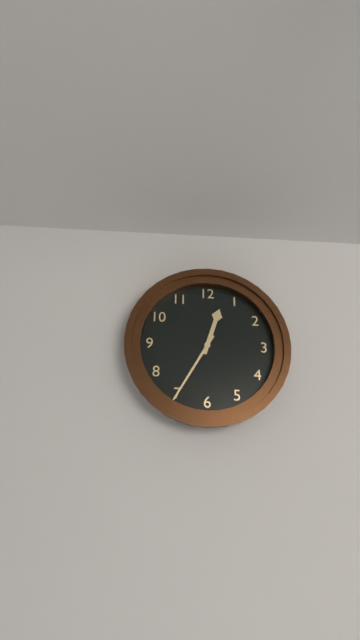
12:35
